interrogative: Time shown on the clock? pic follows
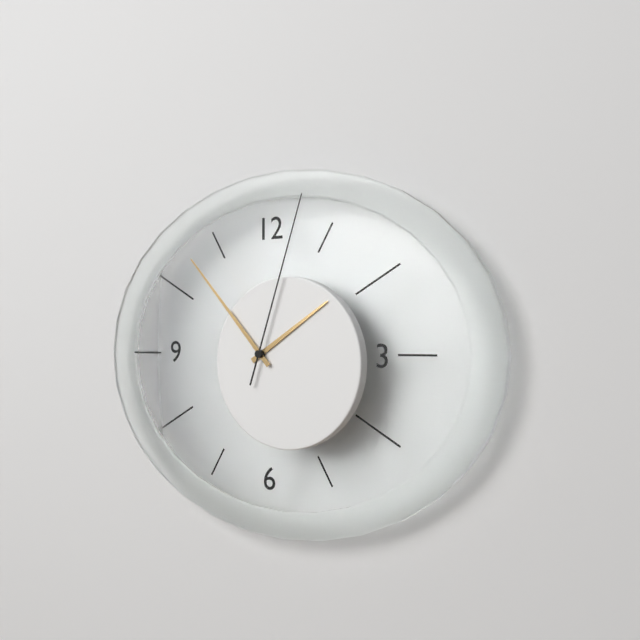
1:53:03
